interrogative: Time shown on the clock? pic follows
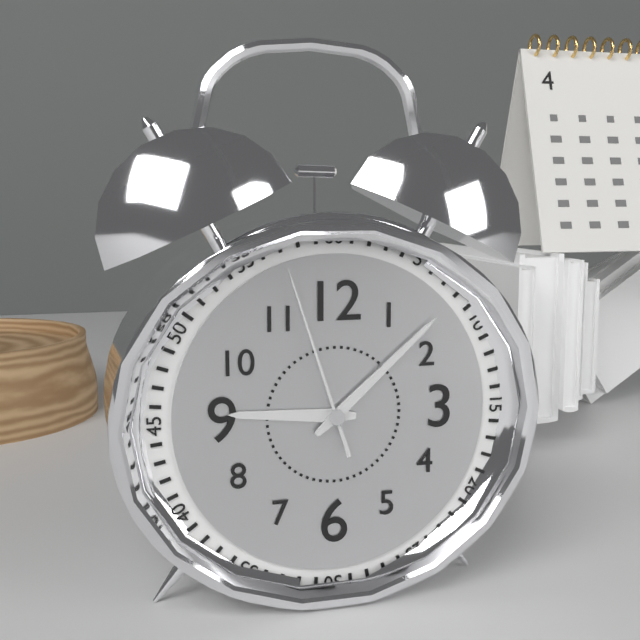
9:08:57
